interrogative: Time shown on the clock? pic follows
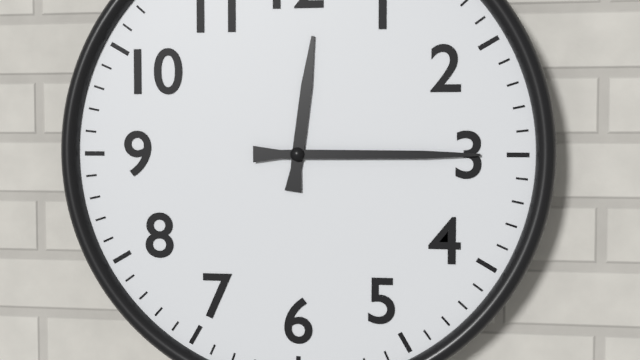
12:15
